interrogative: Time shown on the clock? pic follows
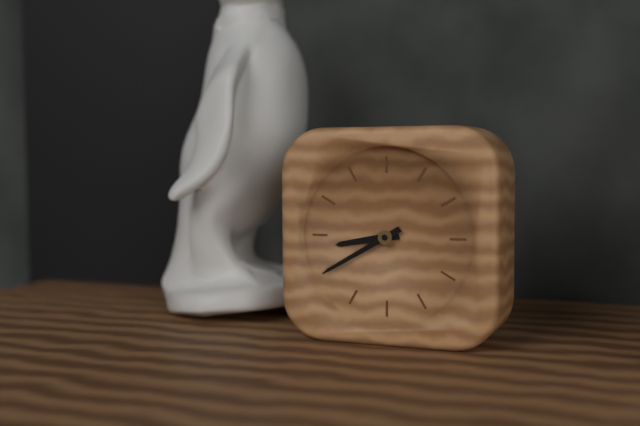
8:40
